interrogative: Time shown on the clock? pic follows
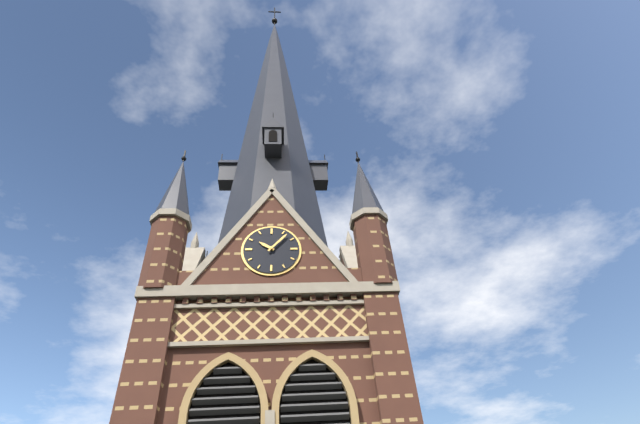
10:07
